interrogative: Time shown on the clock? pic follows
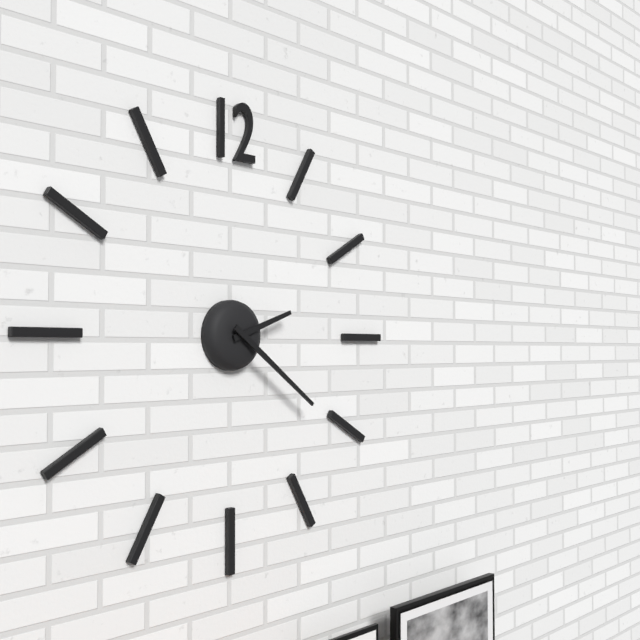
2:21
